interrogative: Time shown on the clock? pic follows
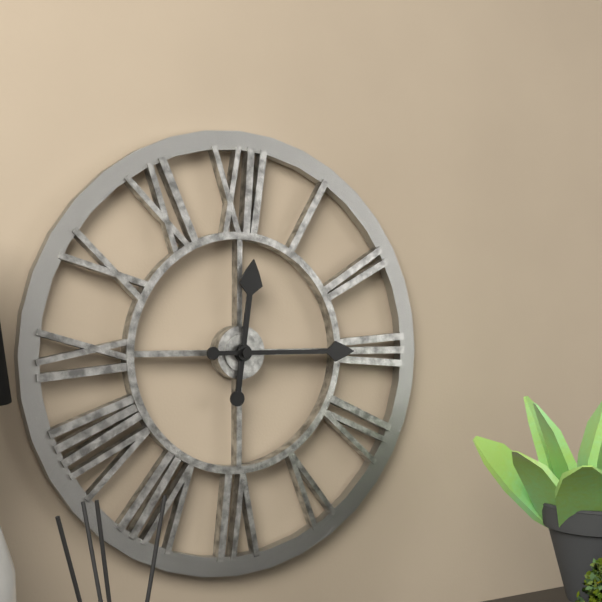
12:15
